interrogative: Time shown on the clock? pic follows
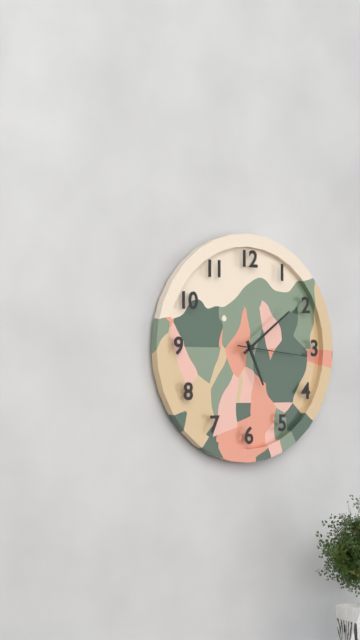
5:09:16
